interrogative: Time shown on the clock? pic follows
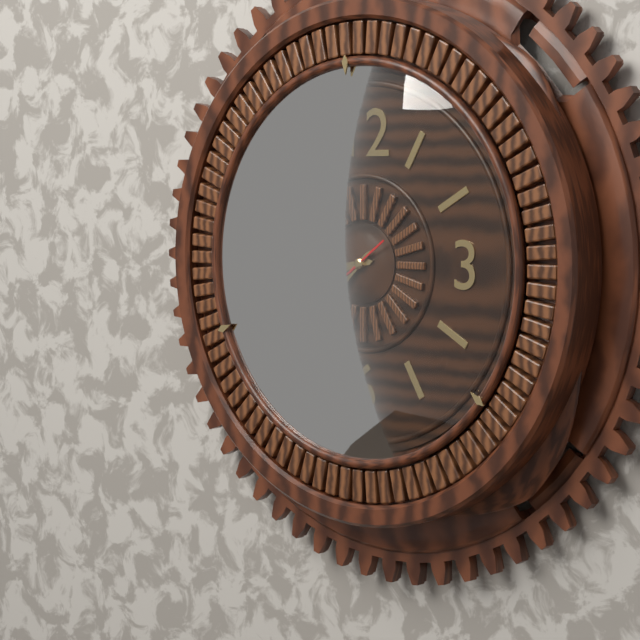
8:38:39
